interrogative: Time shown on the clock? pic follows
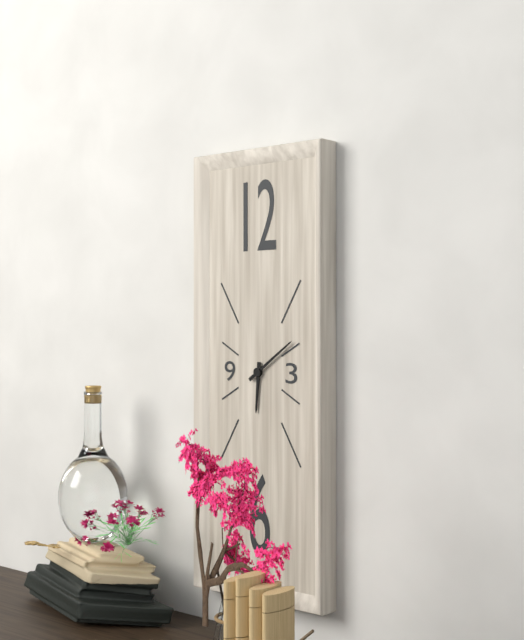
6:09
